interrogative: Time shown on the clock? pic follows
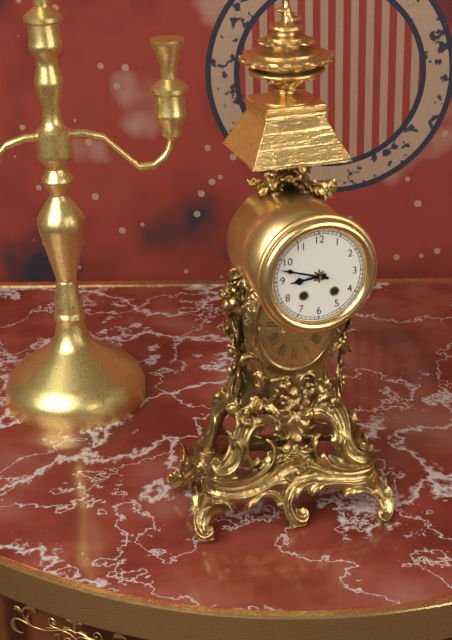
8:48
